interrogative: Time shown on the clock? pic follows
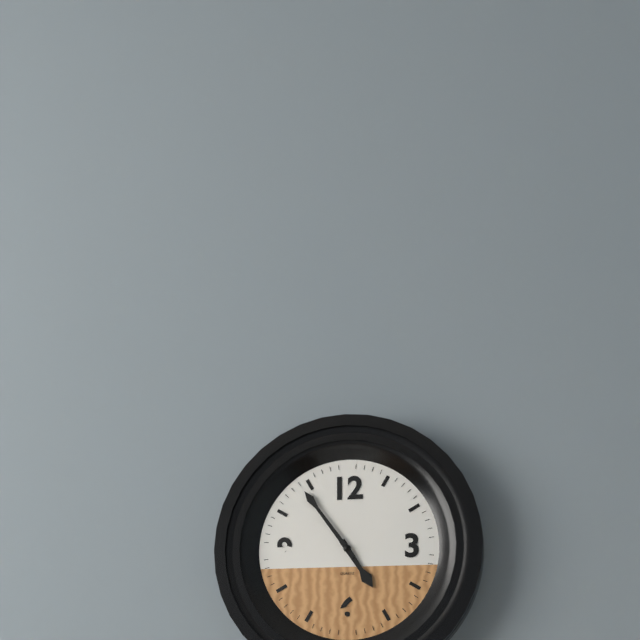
4:54
